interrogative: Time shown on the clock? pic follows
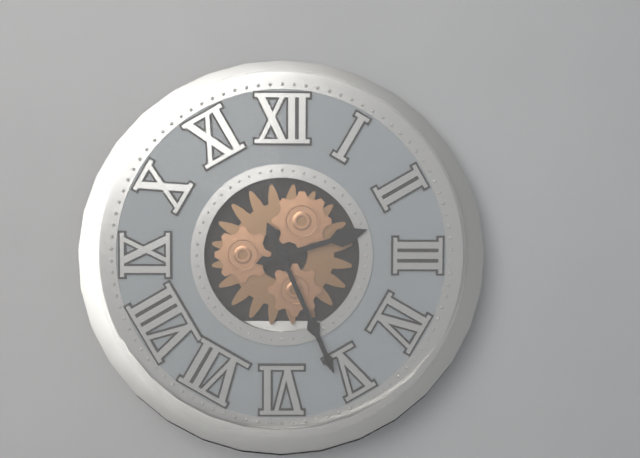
2:26
